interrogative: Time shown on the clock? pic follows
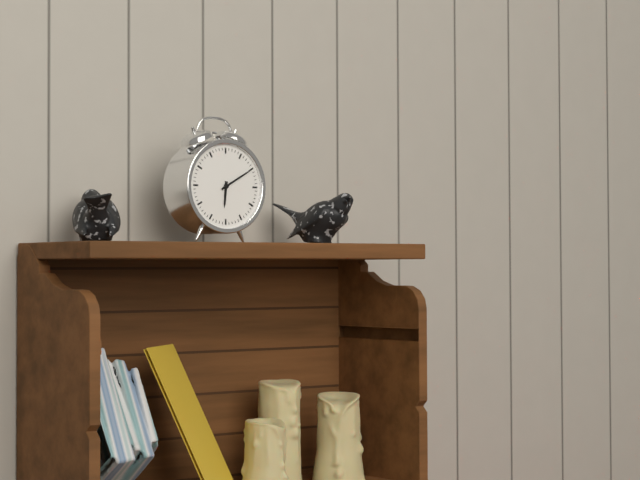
6:10
